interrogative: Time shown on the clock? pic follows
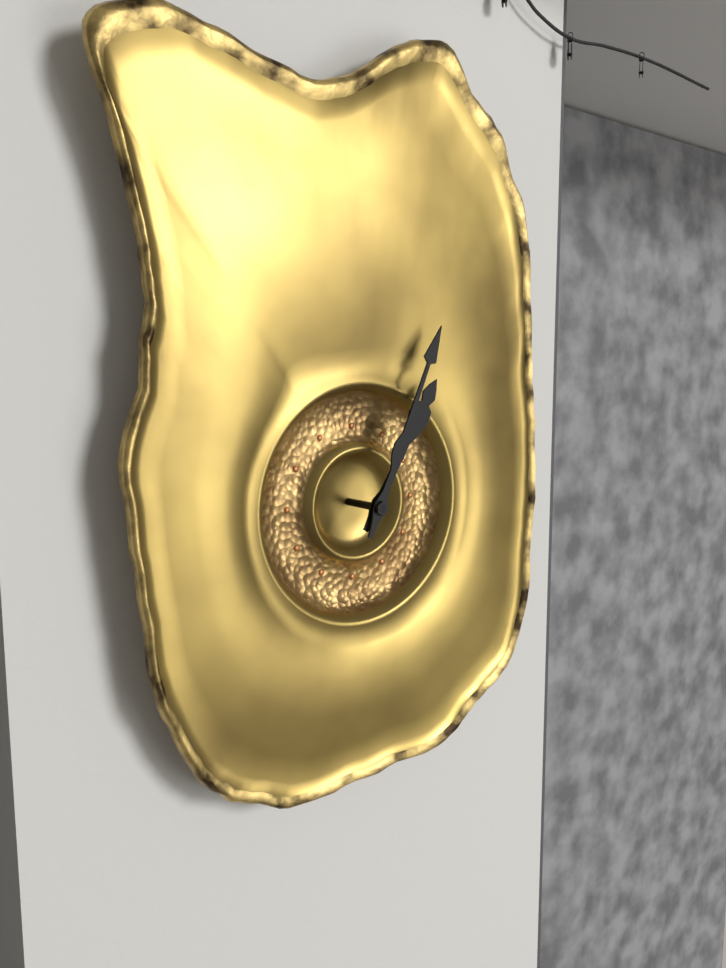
1:04
